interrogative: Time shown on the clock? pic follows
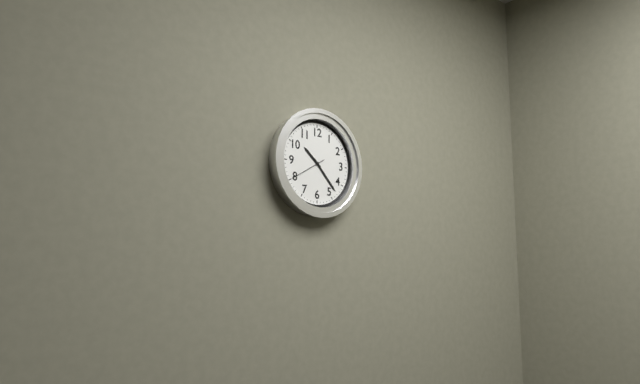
10:23
